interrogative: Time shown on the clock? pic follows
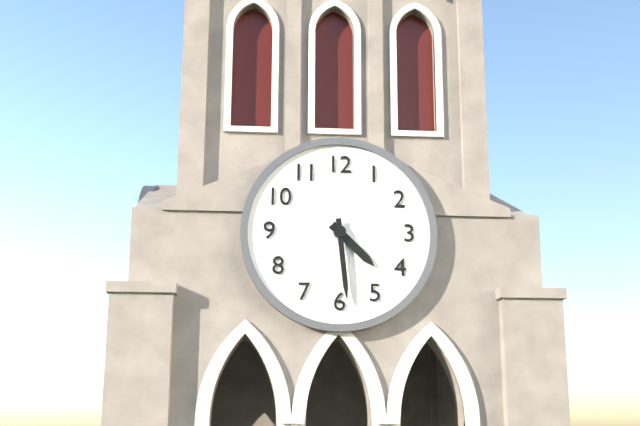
4:29
